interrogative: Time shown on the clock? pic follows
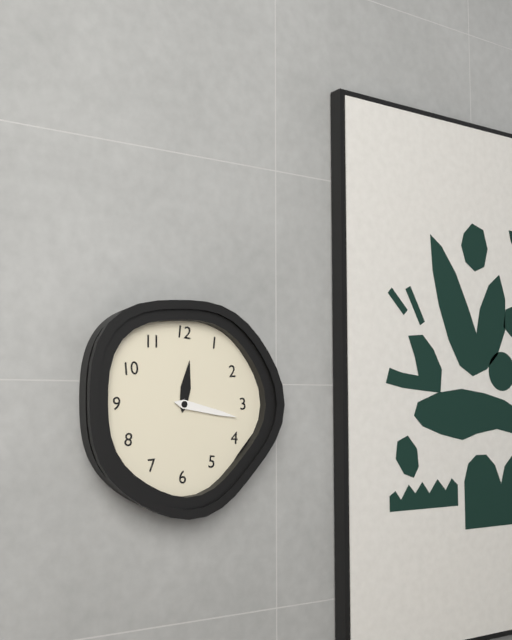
12:17
